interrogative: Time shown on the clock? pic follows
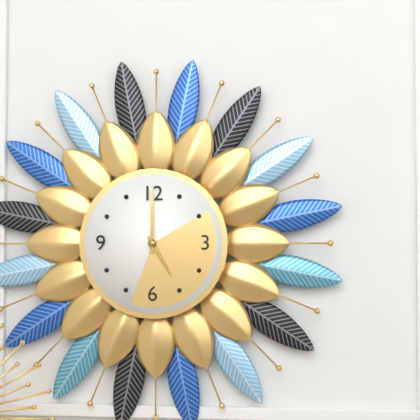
5:00
